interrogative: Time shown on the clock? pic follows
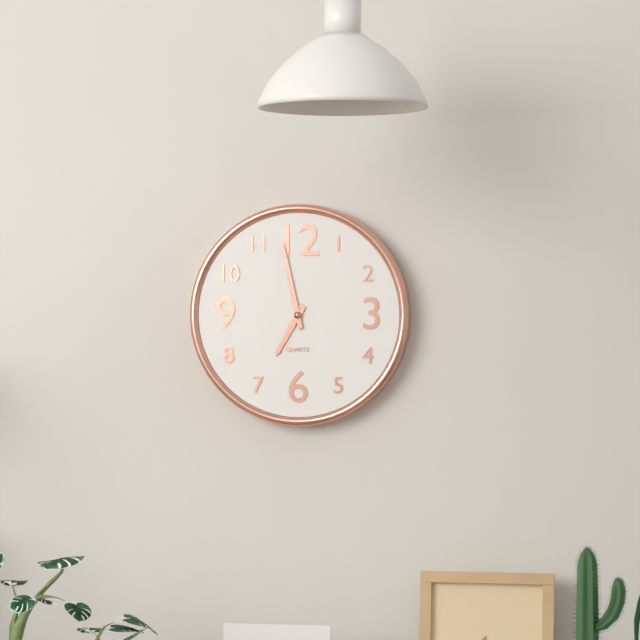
6:58
